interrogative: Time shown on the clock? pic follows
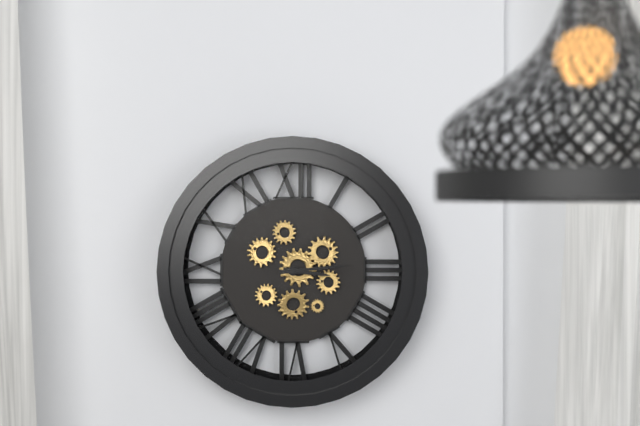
3:14
